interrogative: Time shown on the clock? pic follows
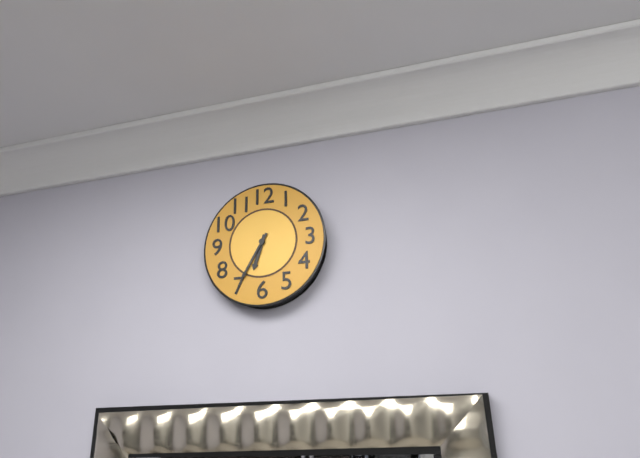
6:35
